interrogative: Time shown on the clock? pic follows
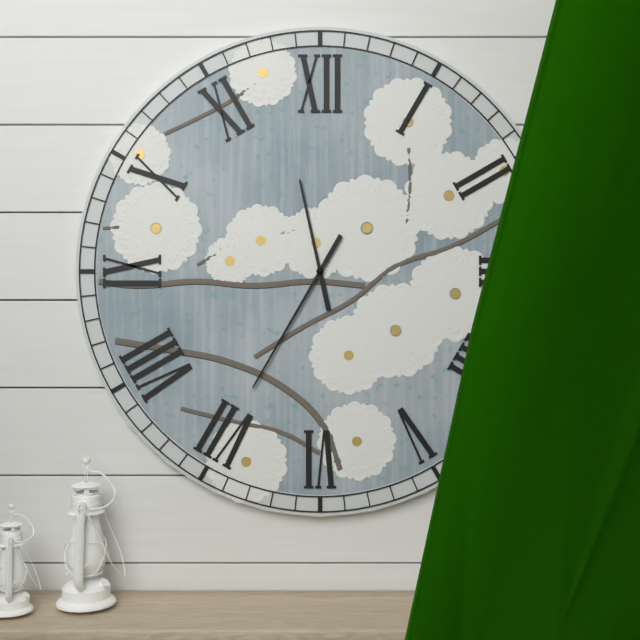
11:35
